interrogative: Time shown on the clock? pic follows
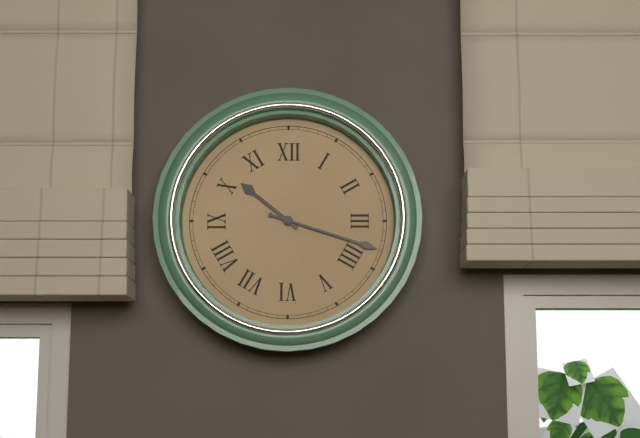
10:18
